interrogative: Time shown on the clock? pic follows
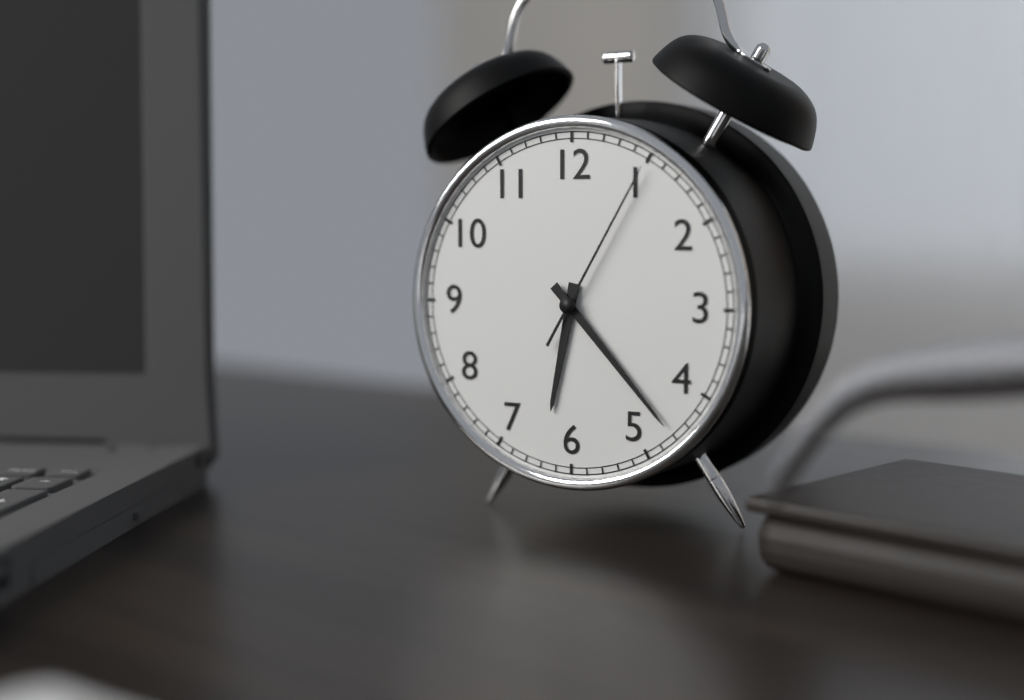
6:23:05
